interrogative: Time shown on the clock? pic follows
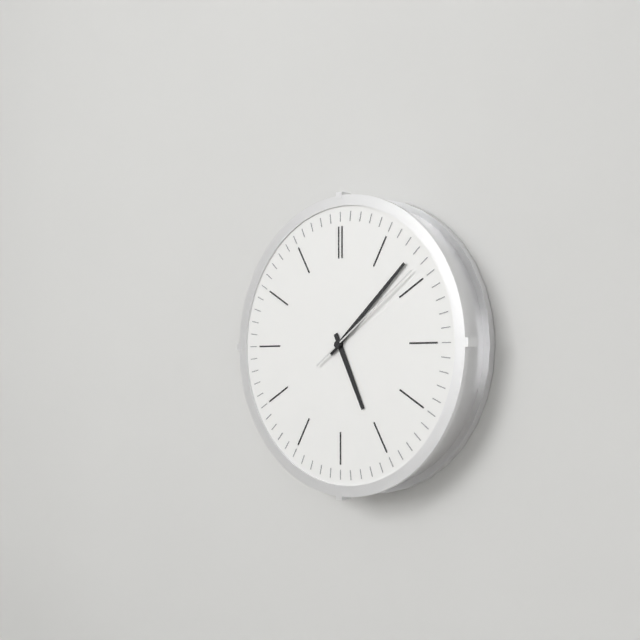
5:08:09
